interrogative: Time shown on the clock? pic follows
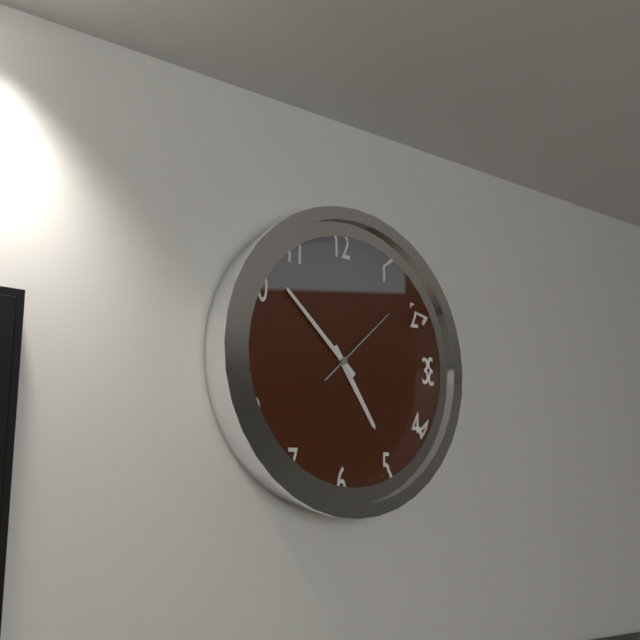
4:52:08
